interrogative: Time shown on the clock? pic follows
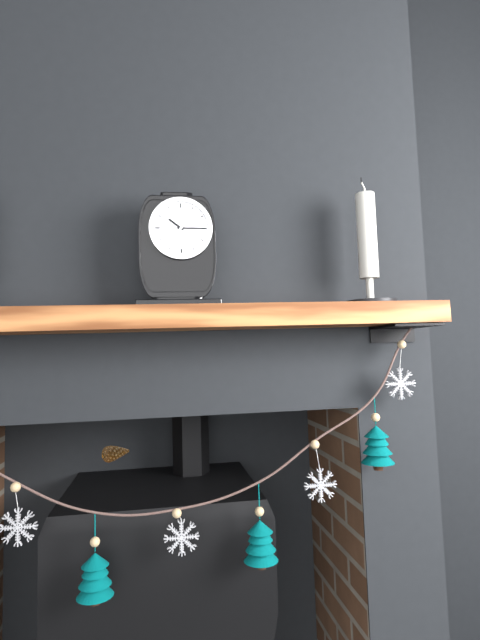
10:15
